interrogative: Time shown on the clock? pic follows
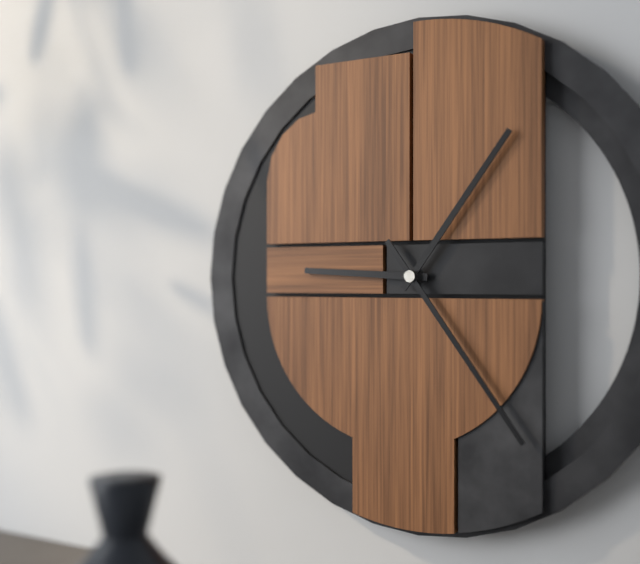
9:06:24
